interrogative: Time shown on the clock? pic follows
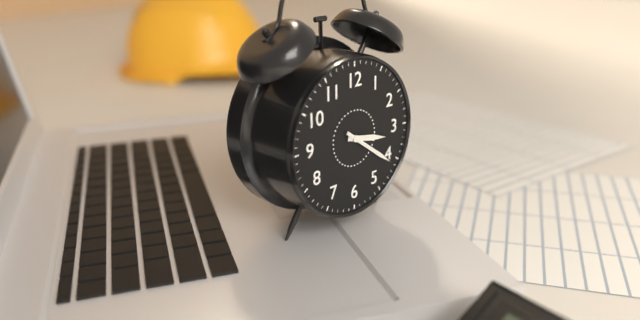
3:21
